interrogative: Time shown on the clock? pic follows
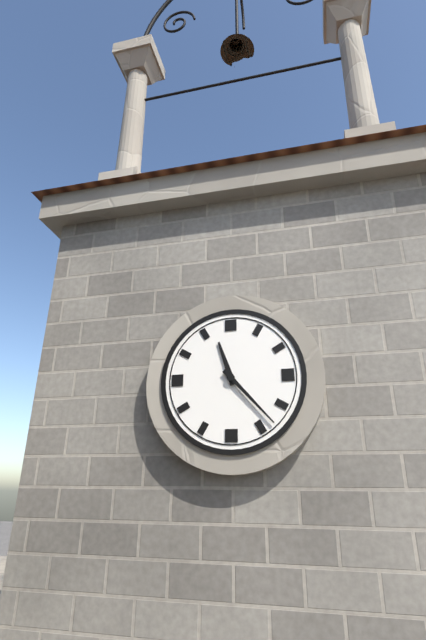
11:23
